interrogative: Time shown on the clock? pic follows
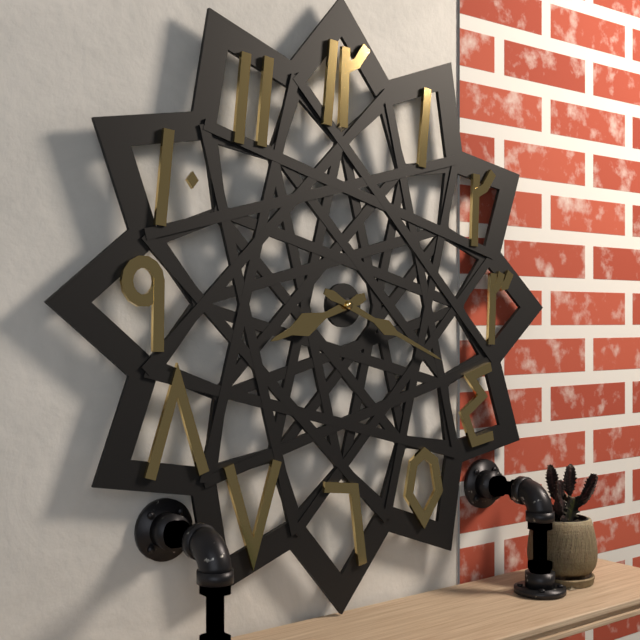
8:19
